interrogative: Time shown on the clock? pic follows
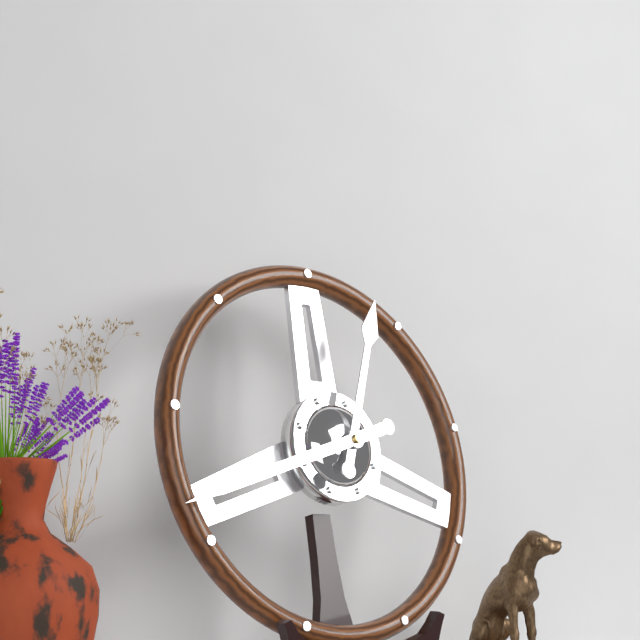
12:42
